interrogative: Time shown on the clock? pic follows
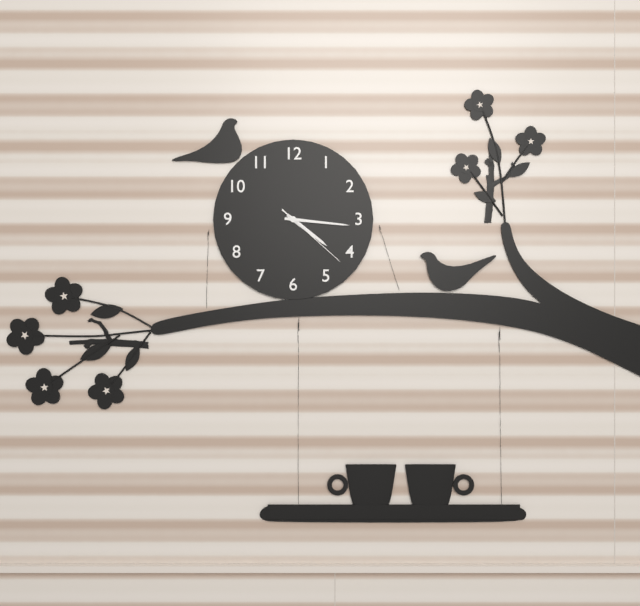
4:16:22
